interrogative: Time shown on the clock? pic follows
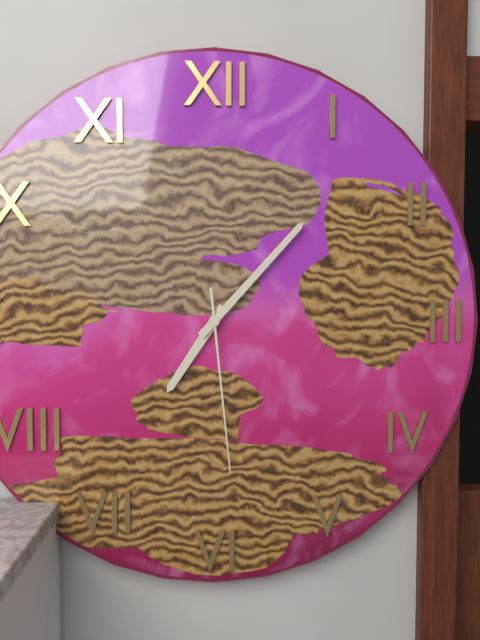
7:07:29
